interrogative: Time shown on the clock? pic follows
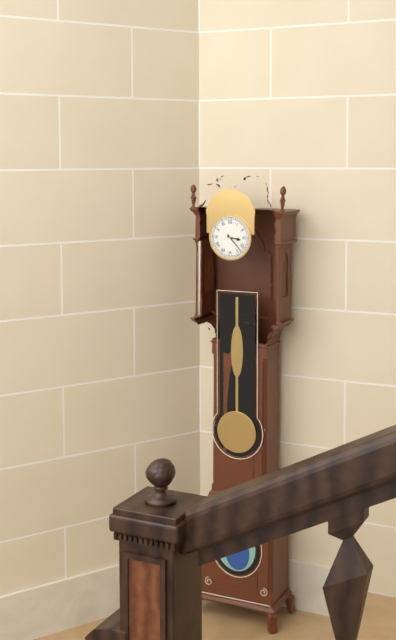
3:23
